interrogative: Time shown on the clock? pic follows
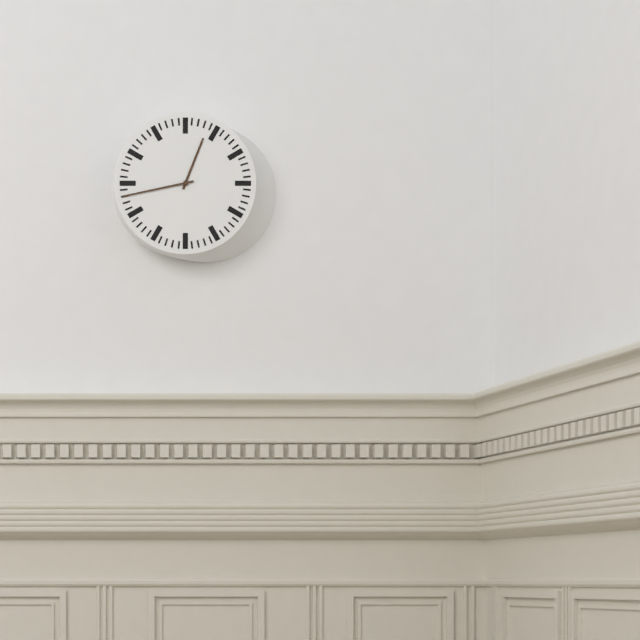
12:43
